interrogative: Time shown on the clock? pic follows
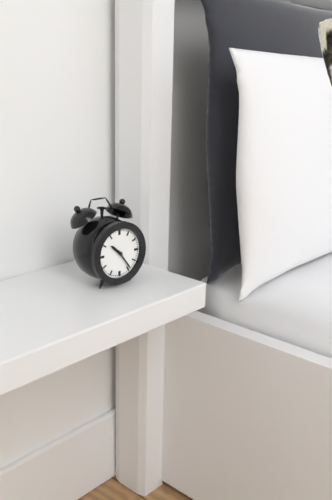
10:24
